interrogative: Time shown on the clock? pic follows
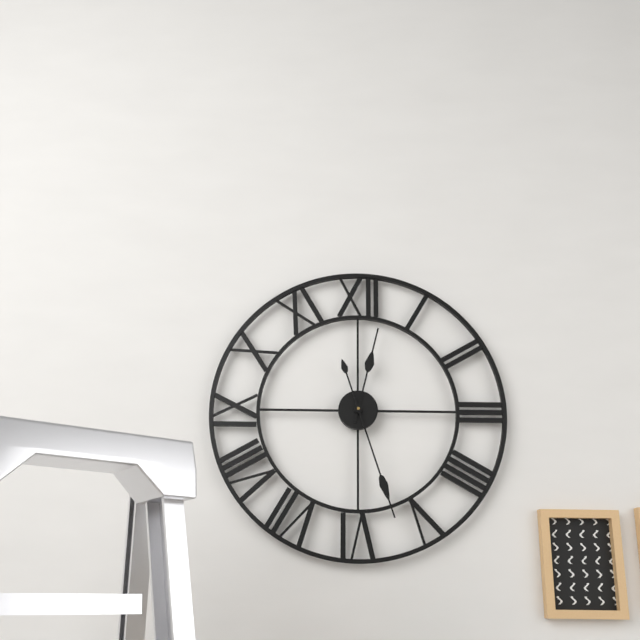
12:27
